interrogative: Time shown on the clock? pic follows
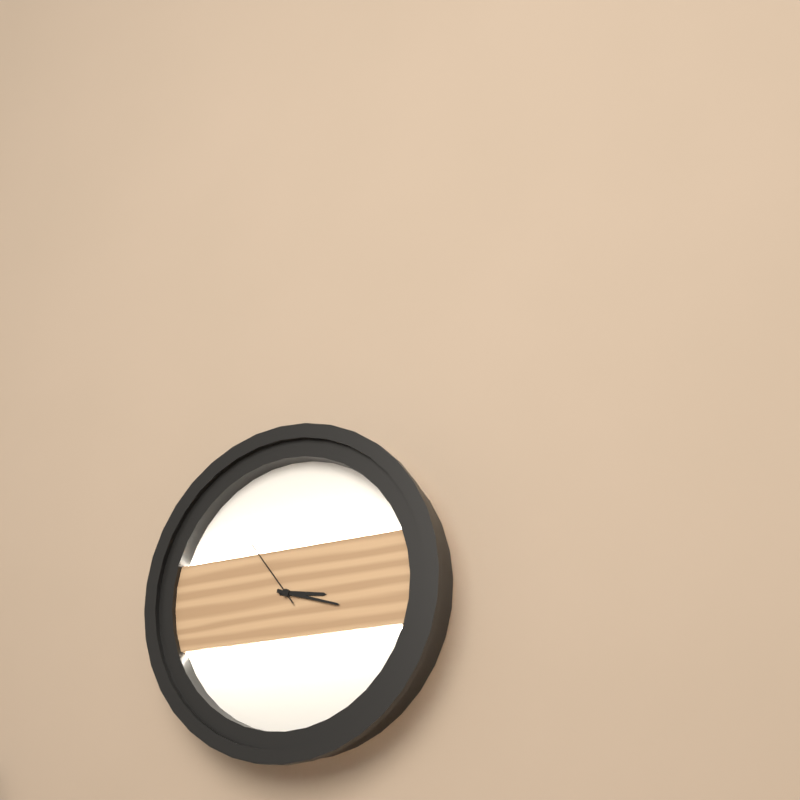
3:18:54
